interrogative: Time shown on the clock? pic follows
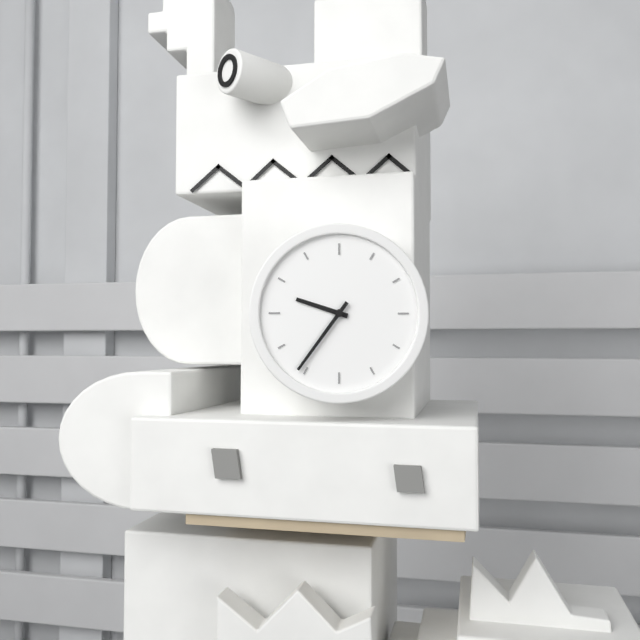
9:36
